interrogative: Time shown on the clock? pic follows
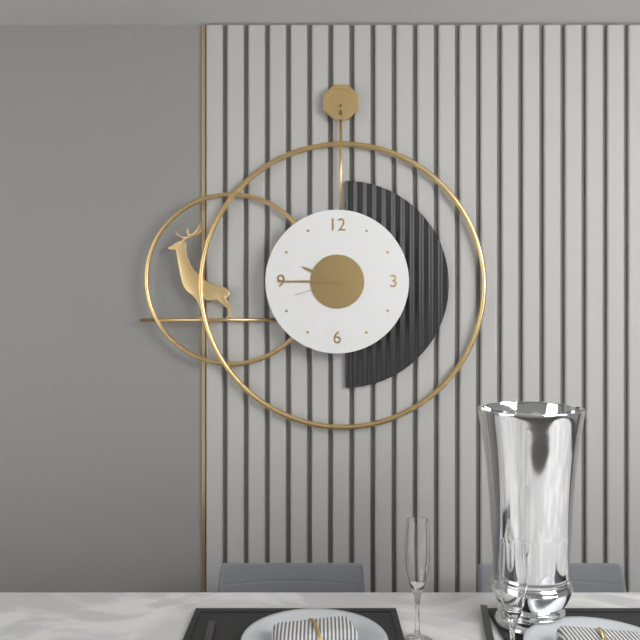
9:45:42
